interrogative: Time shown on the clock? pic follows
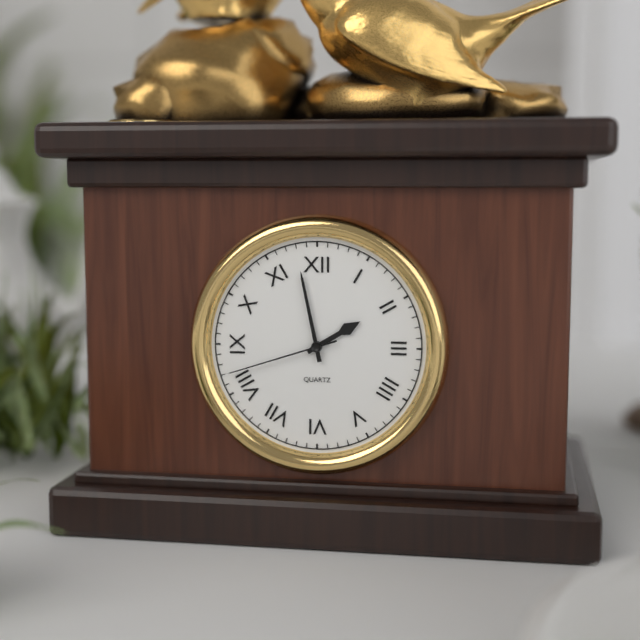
1:58:42
